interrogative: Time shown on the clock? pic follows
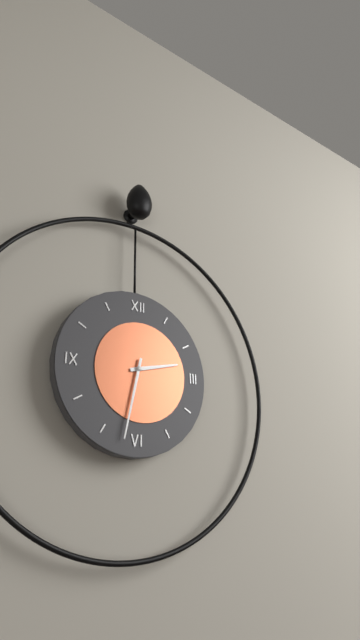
2:32
